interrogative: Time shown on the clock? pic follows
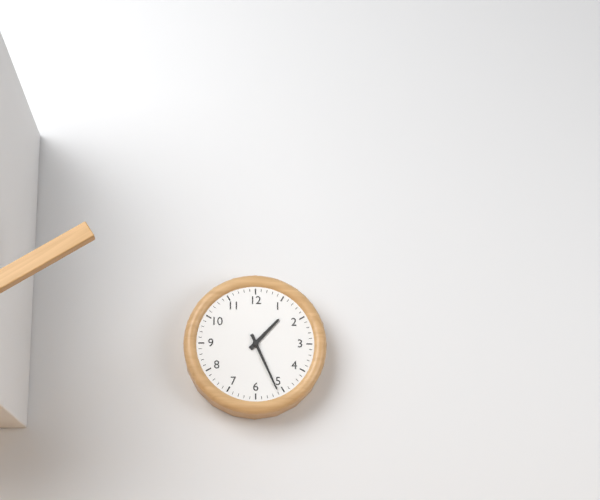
1:26
